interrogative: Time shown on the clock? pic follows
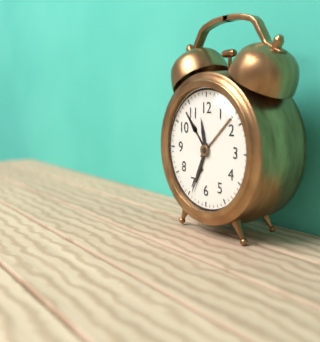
11:34
